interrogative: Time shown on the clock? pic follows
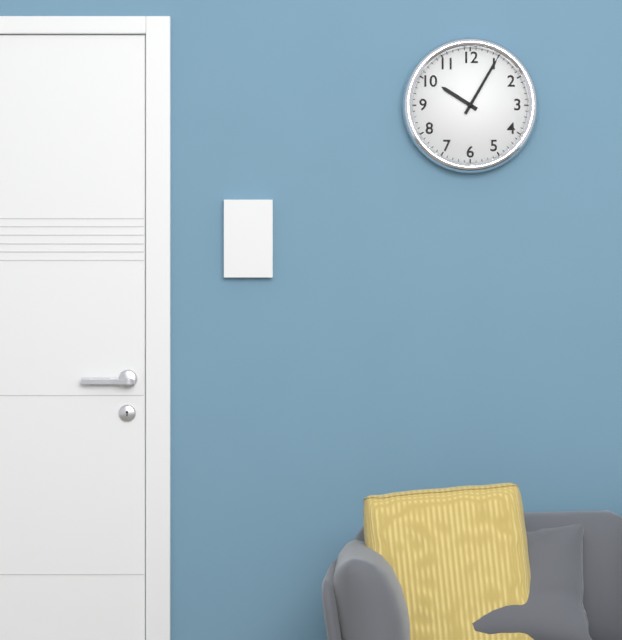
10:05
